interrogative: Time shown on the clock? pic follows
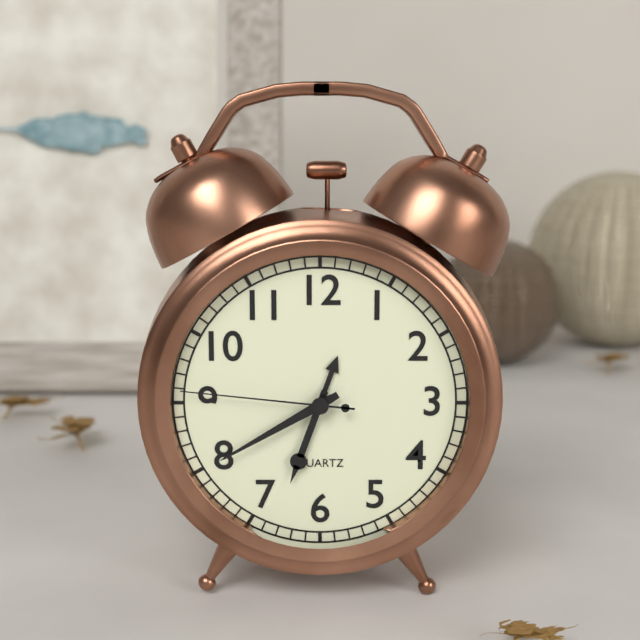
6:40:46
